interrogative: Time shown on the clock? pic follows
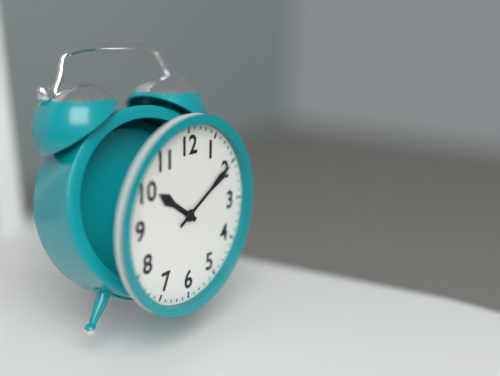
10:10
